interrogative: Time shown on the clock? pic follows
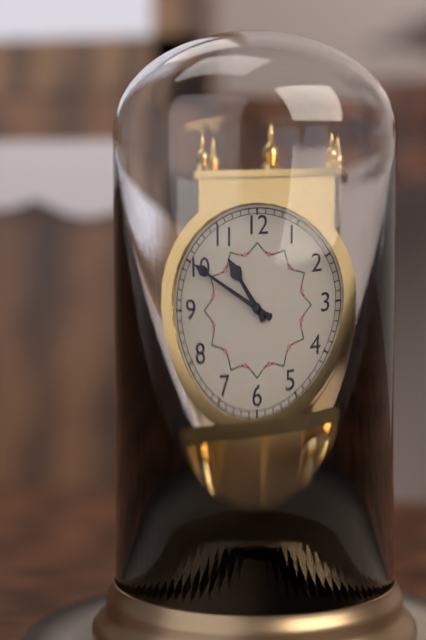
10:50
